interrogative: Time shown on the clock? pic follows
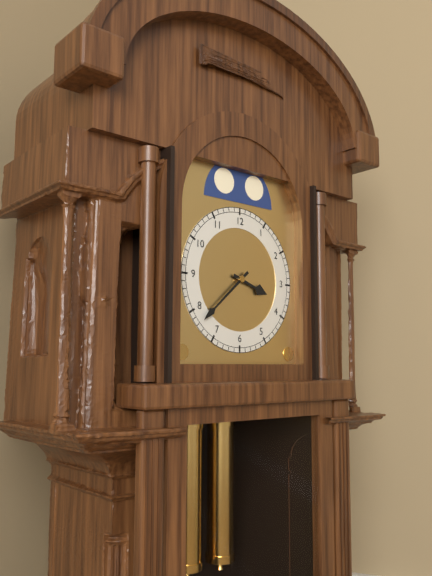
3:38
